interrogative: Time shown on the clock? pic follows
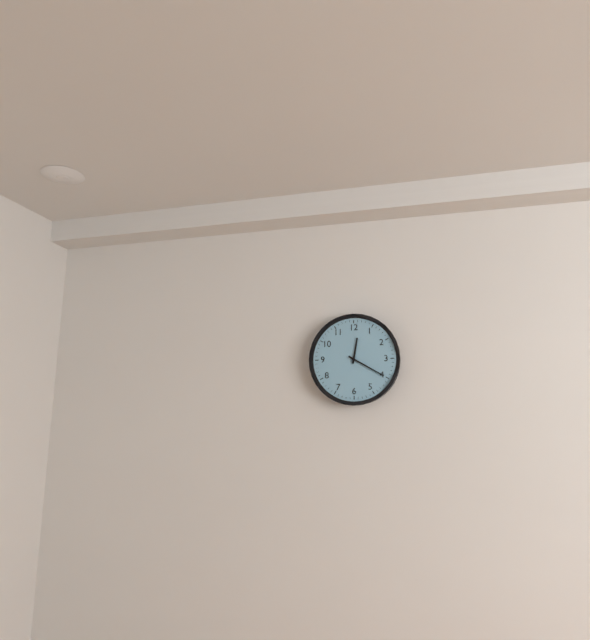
12:20
